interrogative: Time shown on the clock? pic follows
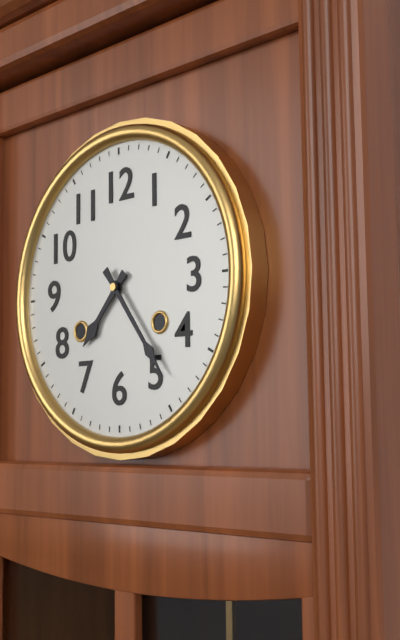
7:24
